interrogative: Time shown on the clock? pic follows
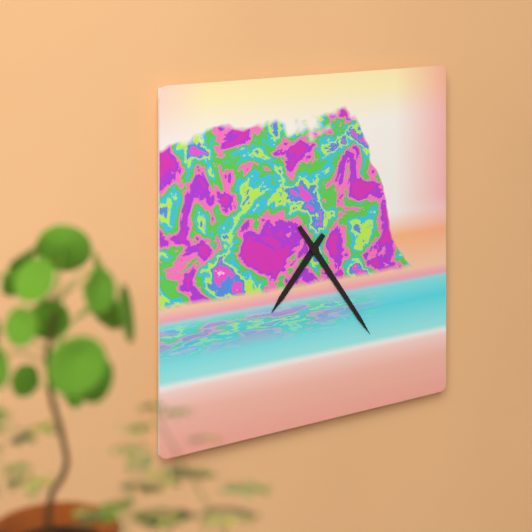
7:24
